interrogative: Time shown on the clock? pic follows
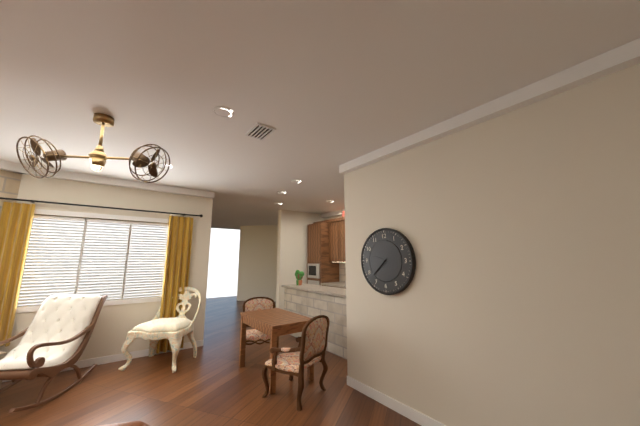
9:38
